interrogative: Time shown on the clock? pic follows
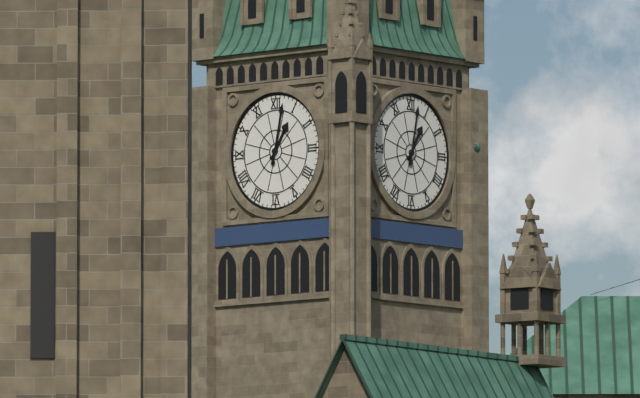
1:02
